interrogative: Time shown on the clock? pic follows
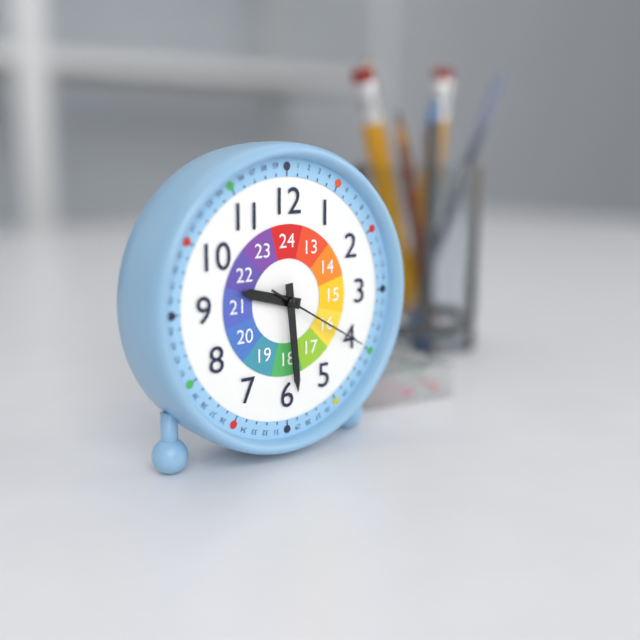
9:29:20
